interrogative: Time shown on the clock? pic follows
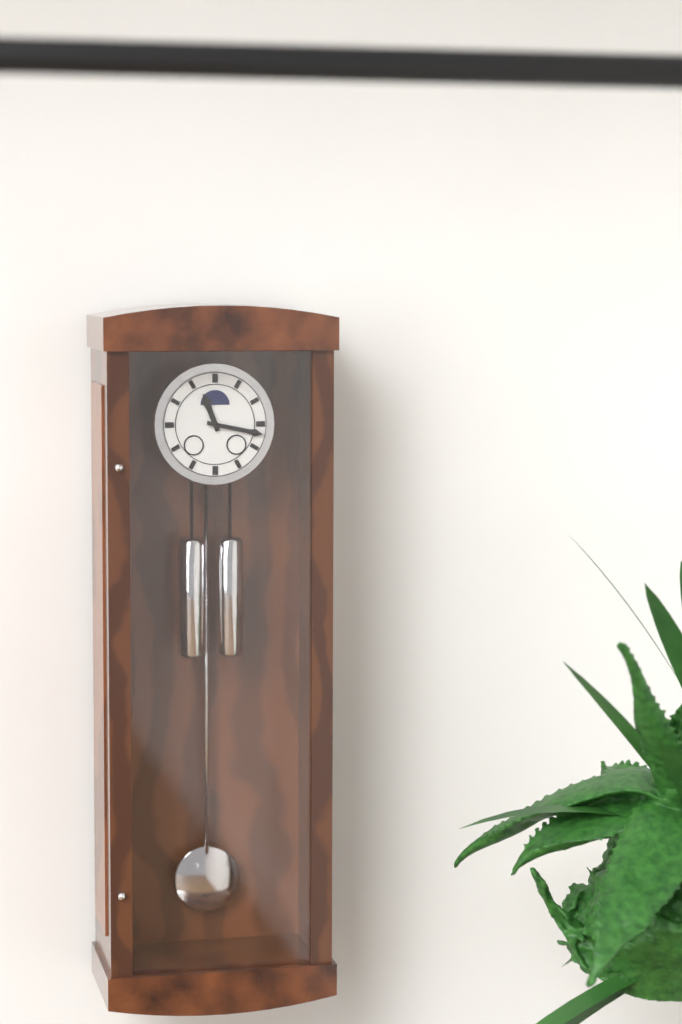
11:17
